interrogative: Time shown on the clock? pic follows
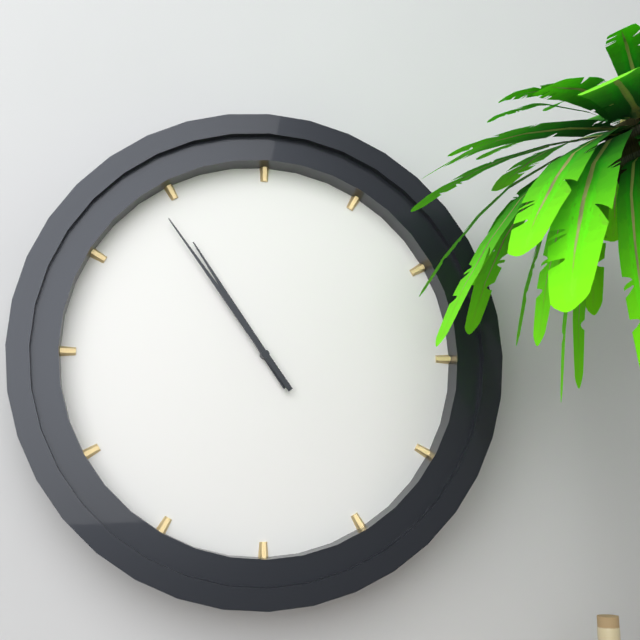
10:54
